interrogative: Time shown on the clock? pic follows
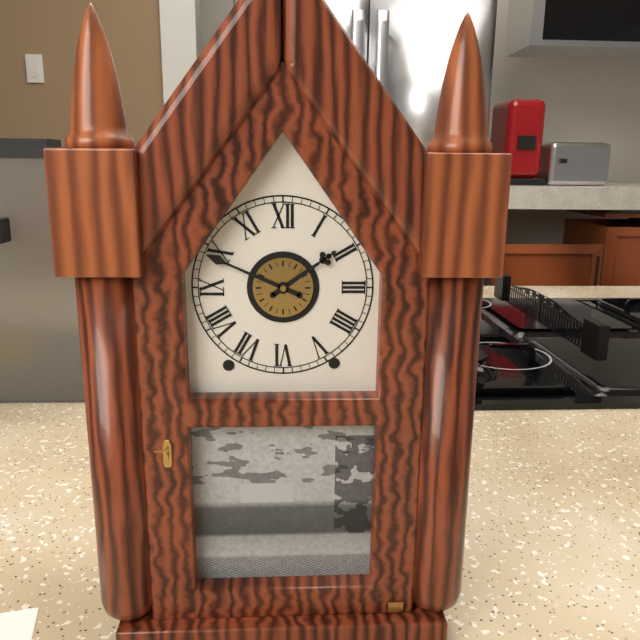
1:49
